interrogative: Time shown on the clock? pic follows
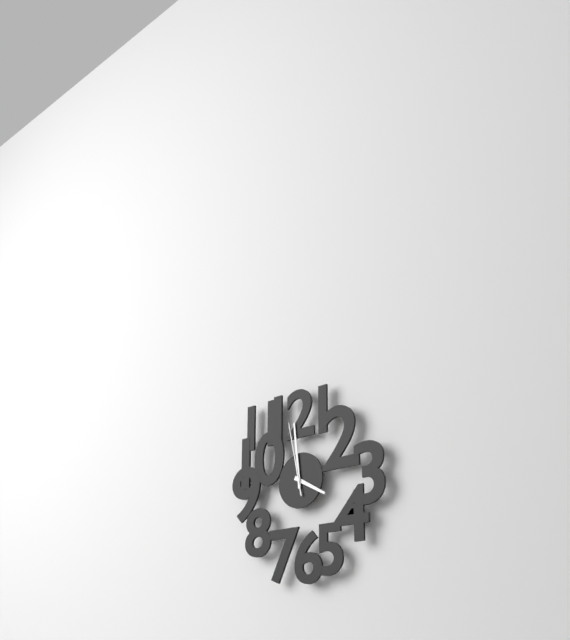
3:59:58
